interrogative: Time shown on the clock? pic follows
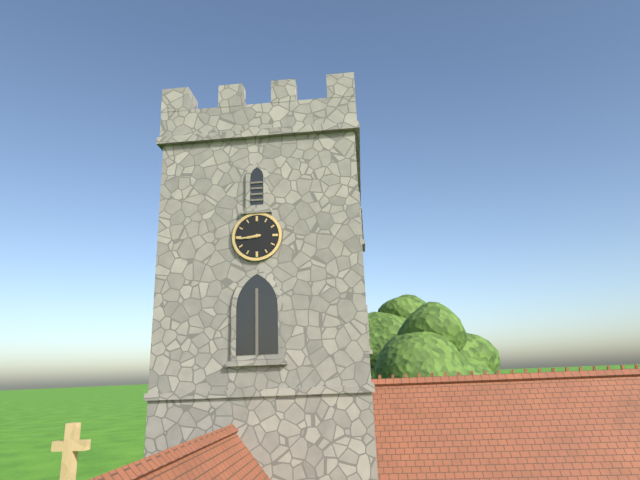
8:44
